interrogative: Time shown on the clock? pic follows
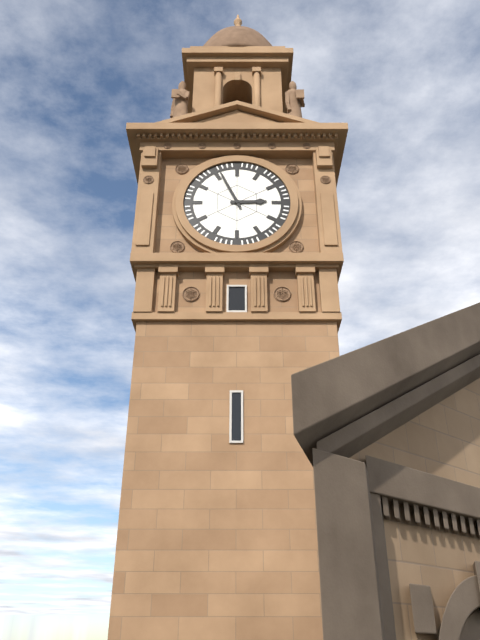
2:56
